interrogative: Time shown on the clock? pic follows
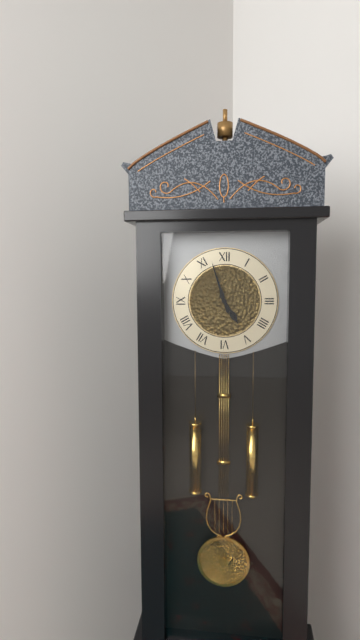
4:57
